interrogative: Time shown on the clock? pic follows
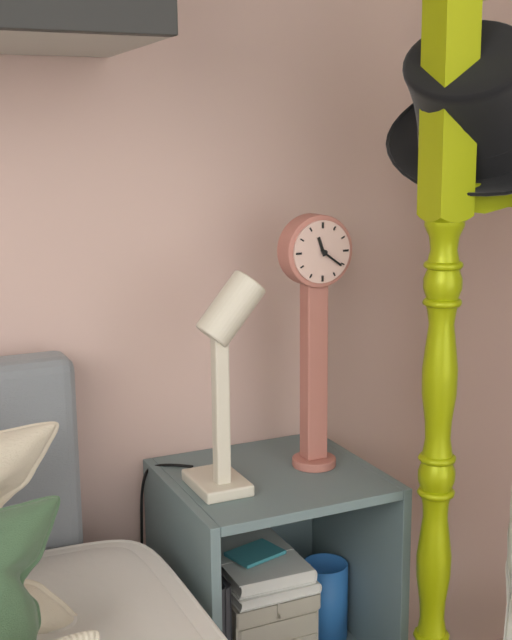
11:21
